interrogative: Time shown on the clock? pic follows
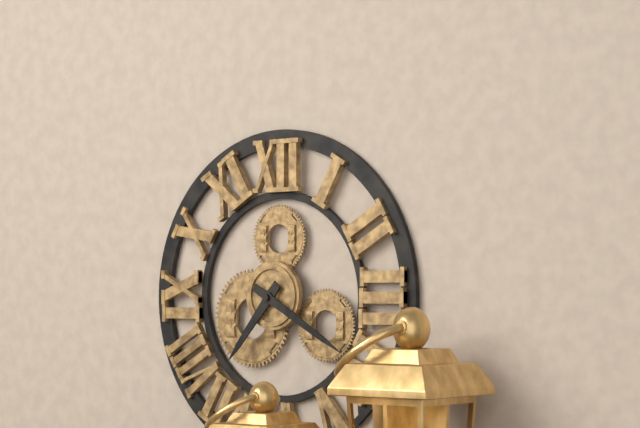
7:20
